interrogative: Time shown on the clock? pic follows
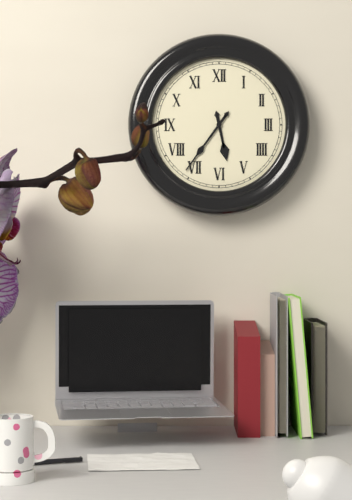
5:36
